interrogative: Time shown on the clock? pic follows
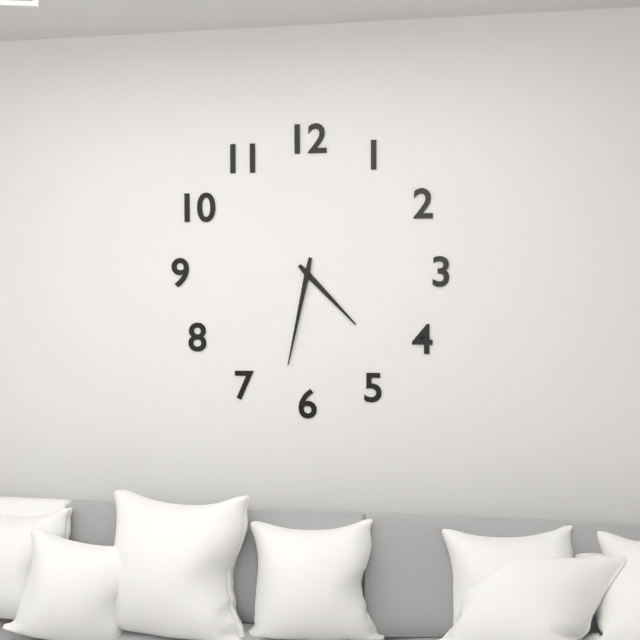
4:32
